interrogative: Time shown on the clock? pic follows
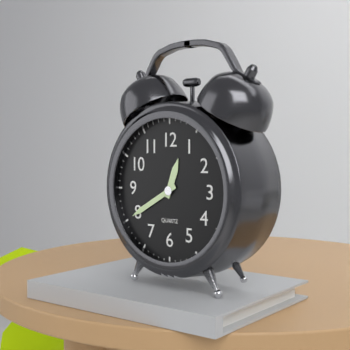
12:40
